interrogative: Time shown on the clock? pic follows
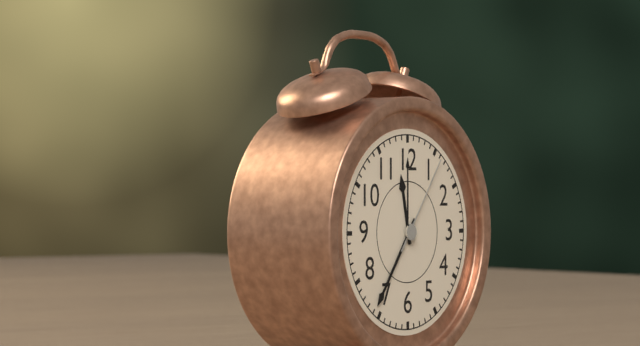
11:36:06
